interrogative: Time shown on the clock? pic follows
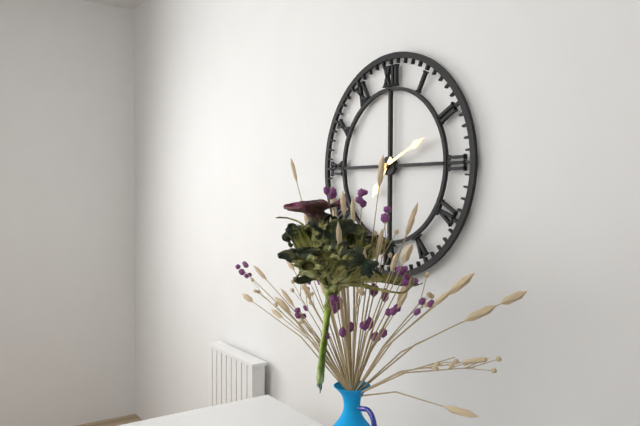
7:11
